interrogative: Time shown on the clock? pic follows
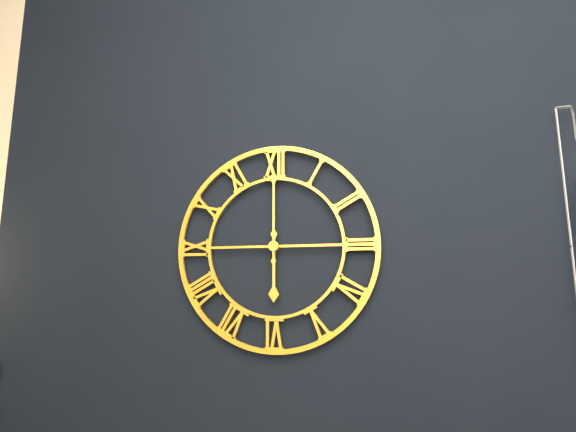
6:00
